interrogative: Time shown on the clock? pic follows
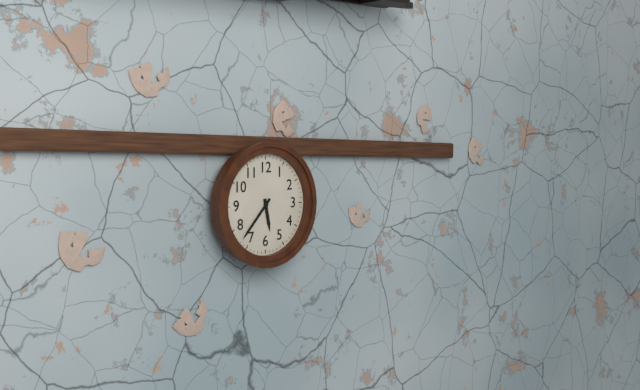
5:37
